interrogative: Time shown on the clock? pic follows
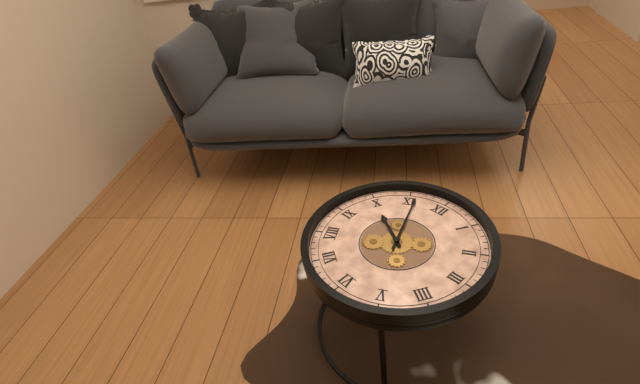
9:56
